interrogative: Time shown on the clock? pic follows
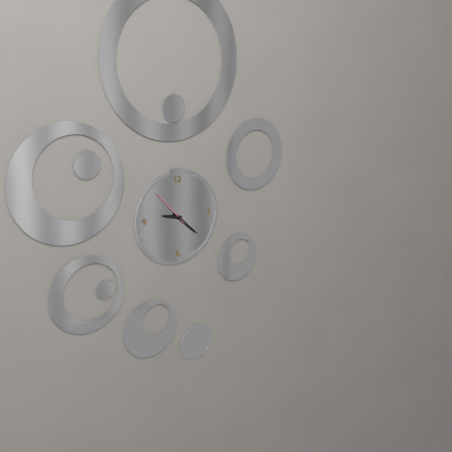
9:22
